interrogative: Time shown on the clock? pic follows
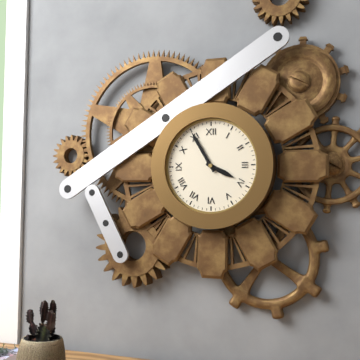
3:55
